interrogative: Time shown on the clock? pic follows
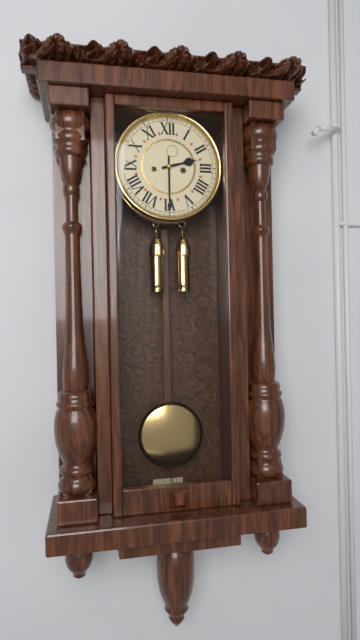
2:30
